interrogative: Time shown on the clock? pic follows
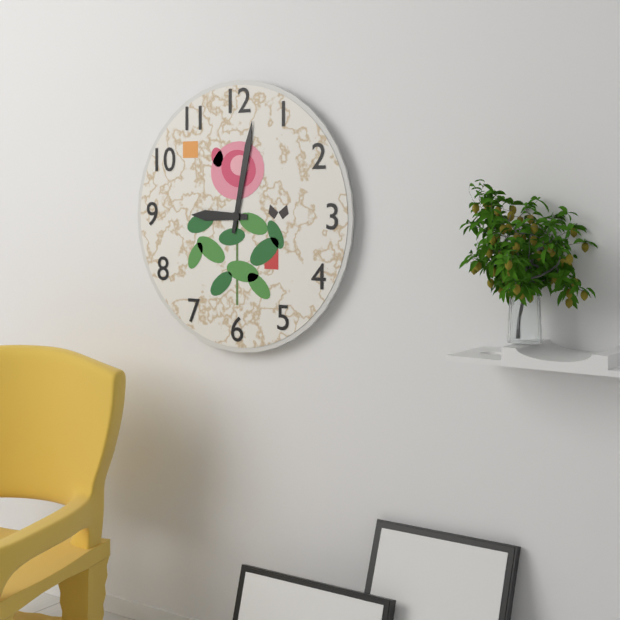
9:02
